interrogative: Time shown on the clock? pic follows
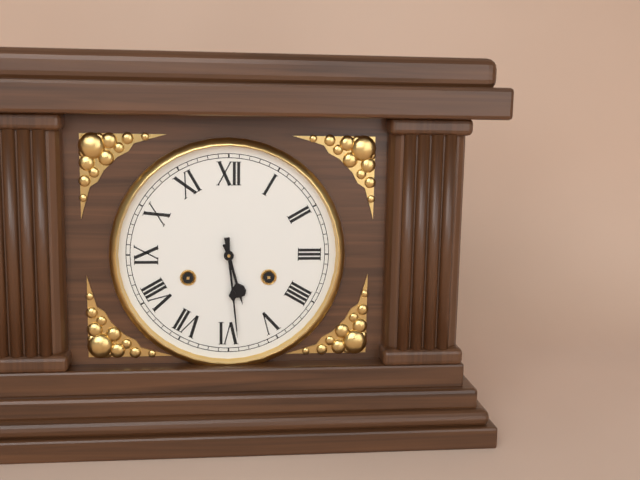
5:29
